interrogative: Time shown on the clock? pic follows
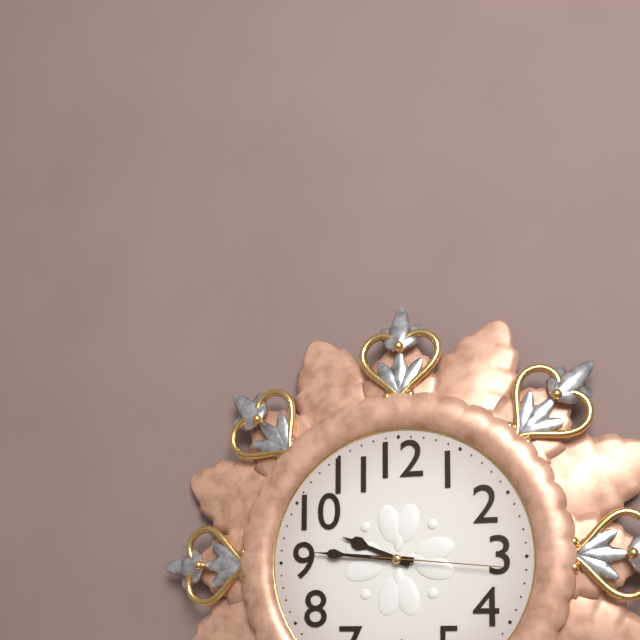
9:46:16
